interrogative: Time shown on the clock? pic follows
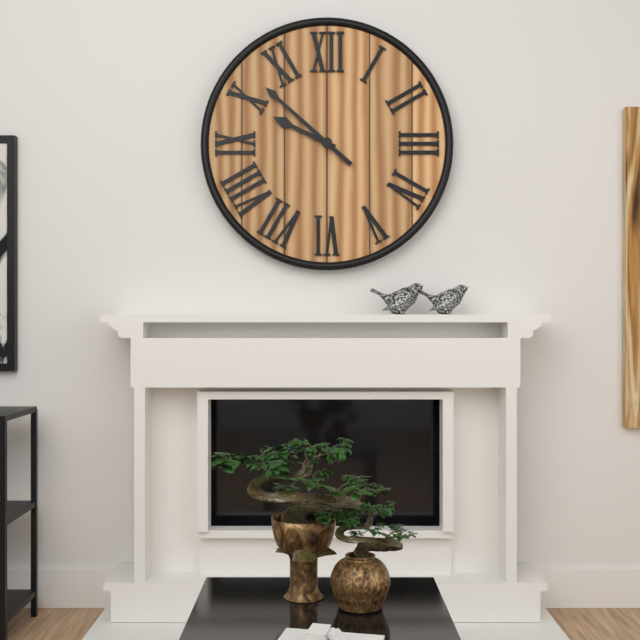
9:52
